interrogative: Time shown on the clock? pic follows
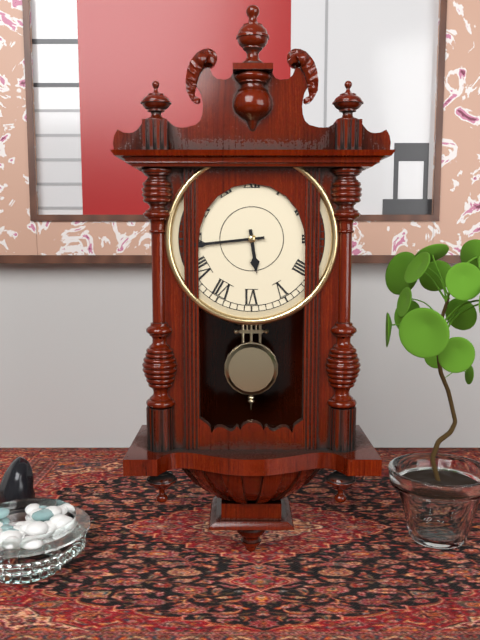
5:44
